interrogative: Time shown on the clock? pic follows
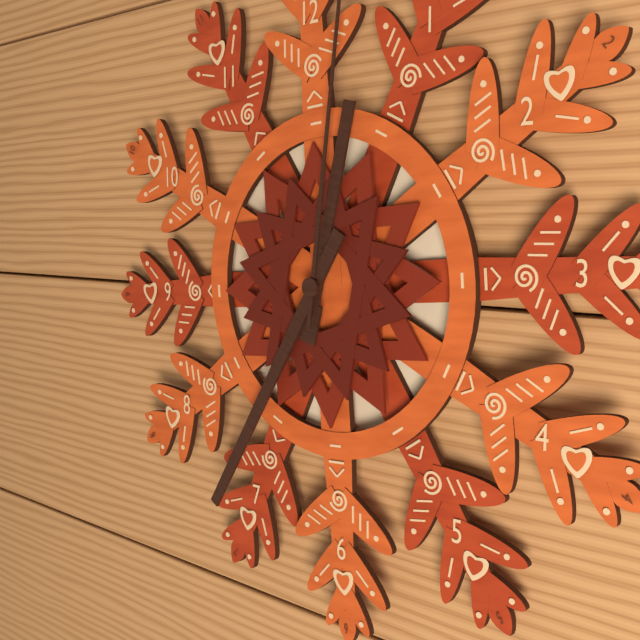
12:36
